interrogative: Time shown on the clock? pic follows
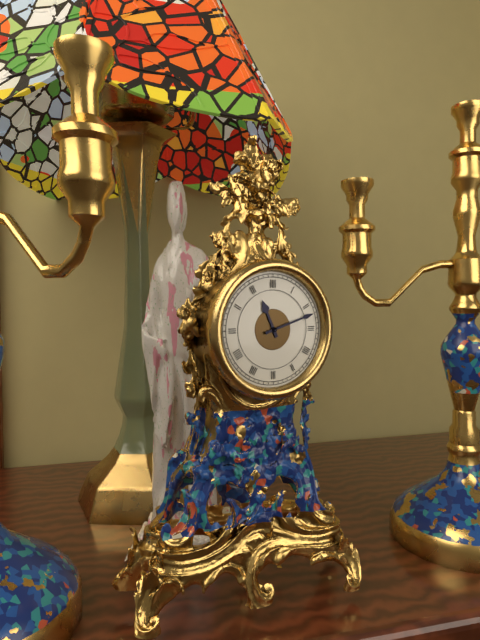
11:12
